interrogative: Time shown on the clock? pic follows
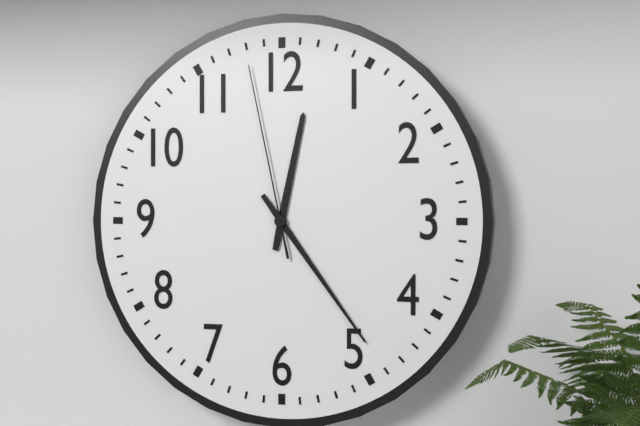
12:24:58
